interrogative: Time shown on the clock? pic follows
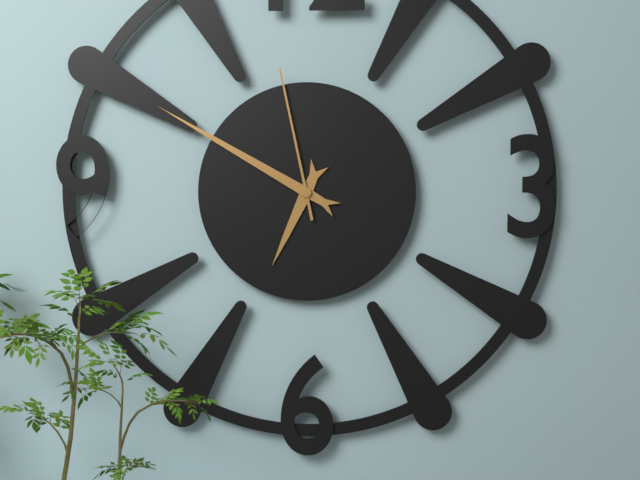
6:50:58
